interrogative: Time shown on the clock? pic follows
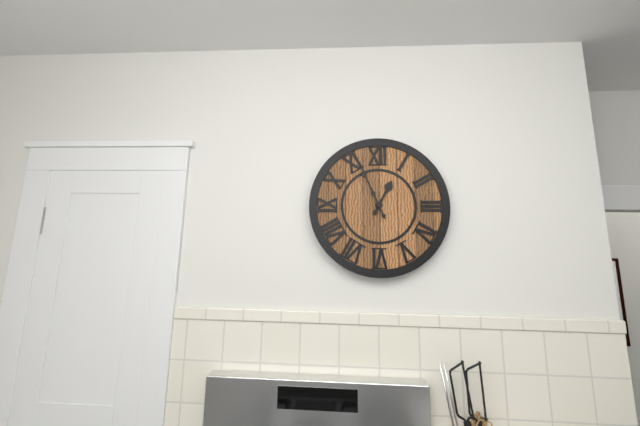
12:56
